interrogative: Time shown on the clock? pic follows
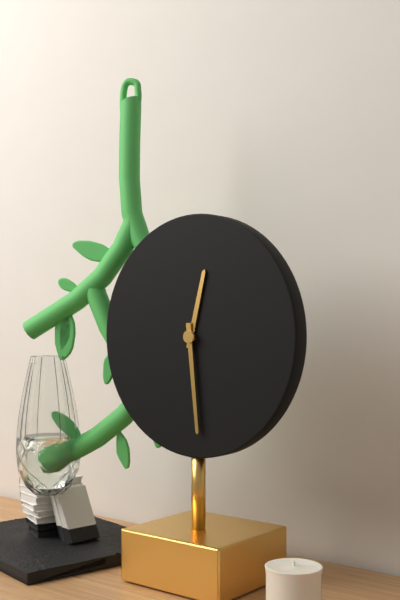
12:29
